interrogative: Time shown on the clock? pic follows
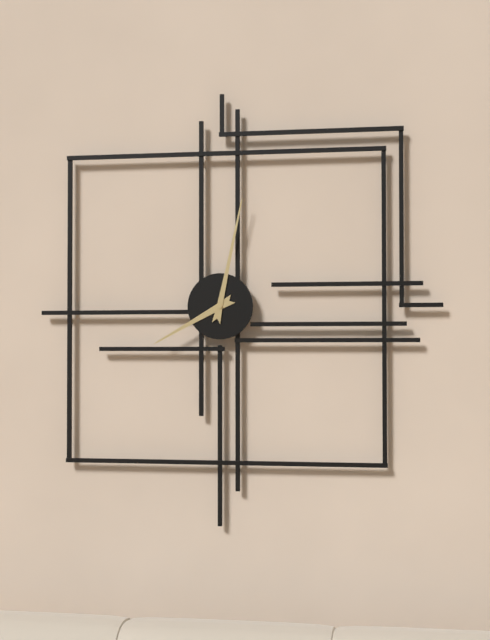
8:02
